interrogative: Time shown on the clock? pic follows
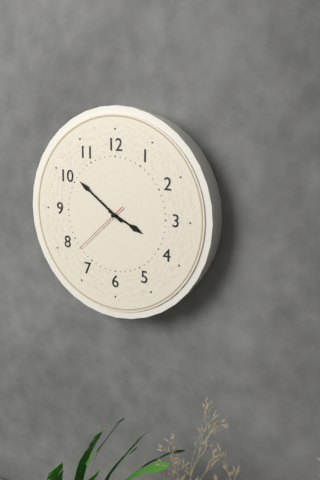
3:51:38
